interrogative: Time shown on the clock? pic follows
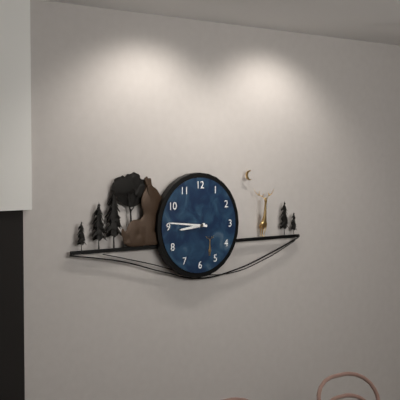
8:46
